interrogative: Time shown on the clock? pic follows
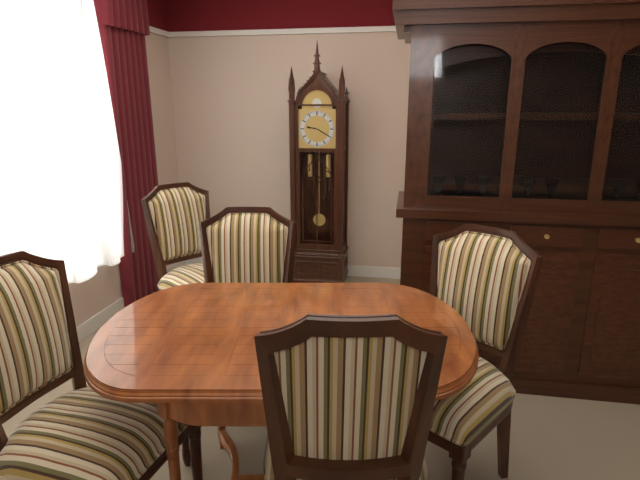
9:20
